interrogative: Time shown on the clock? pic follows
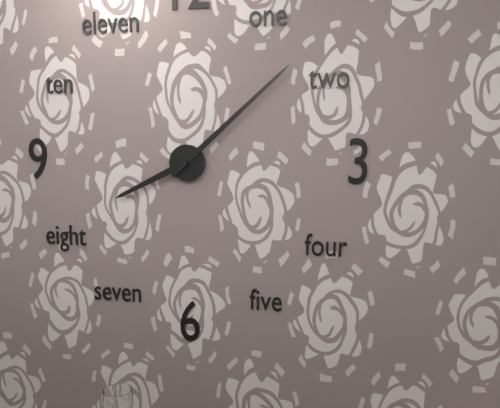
8:08
